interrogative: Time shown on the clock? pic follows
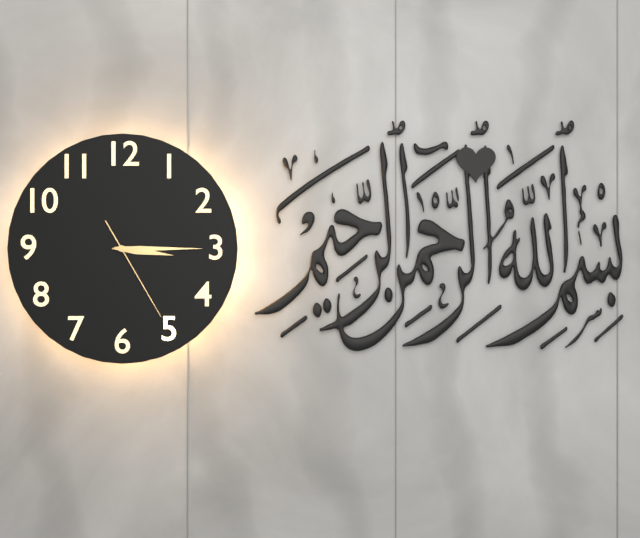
3:15:25
